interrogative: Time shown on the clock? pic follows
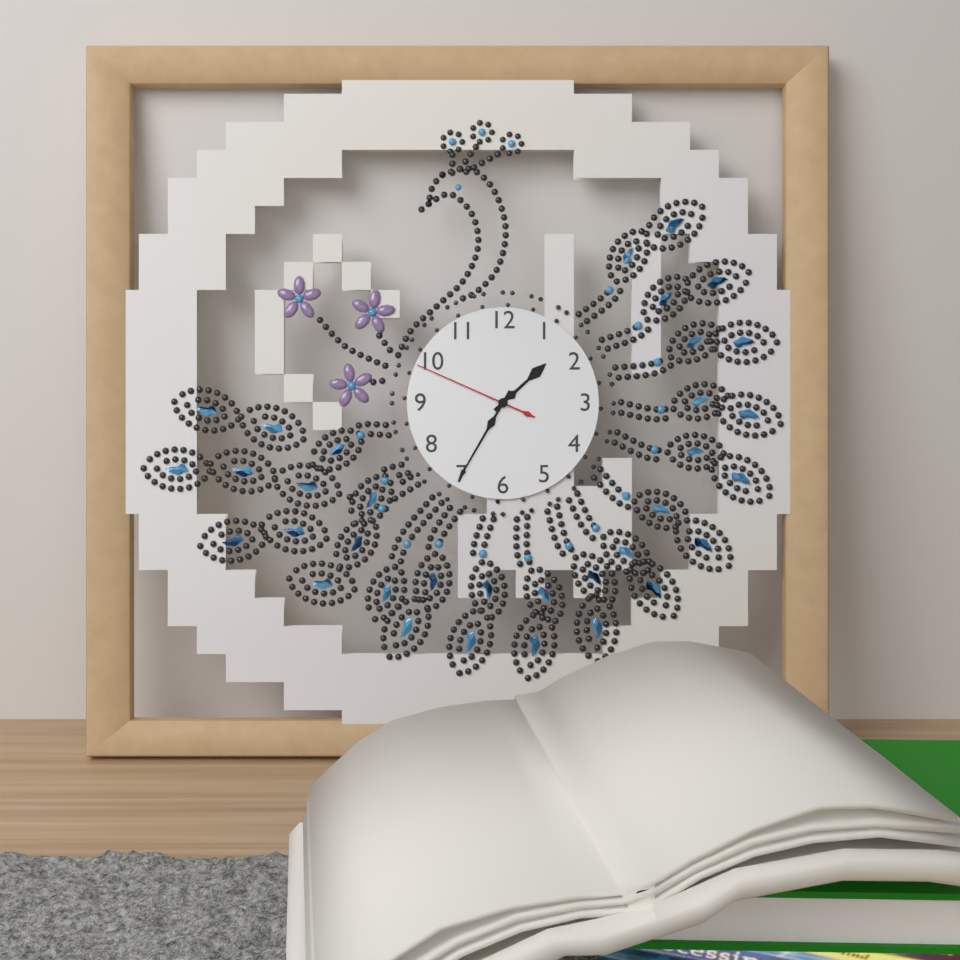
1:35:49
